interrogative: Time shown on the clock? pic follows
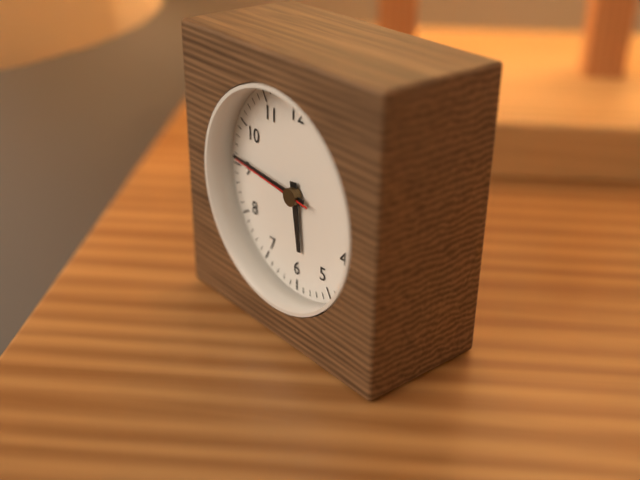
5:46:46
